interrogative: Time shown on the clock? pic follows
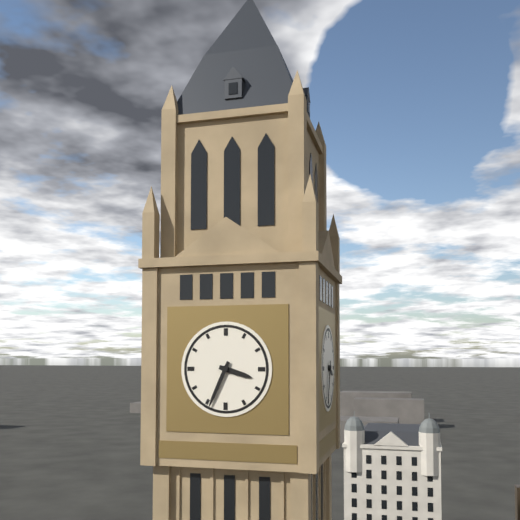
3:34
